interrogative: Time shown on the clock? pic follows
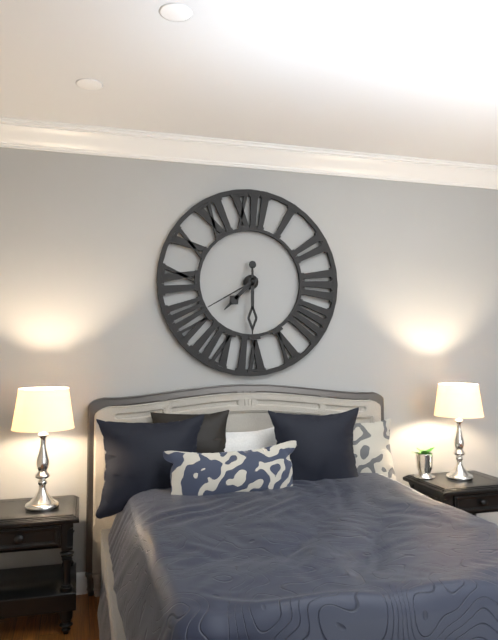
7:30:40
